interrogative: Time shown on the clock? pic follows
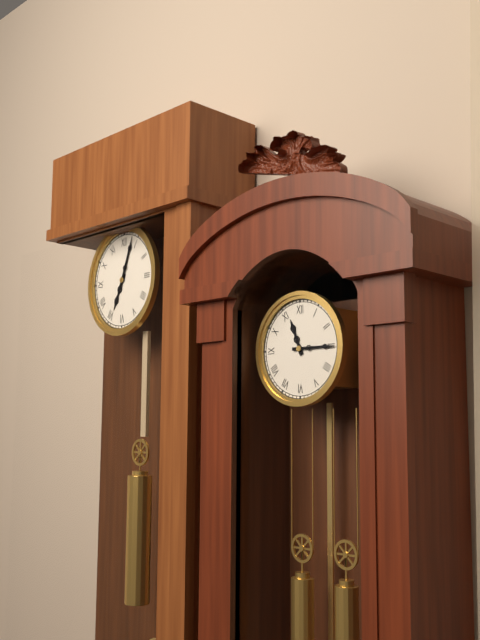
11:15
